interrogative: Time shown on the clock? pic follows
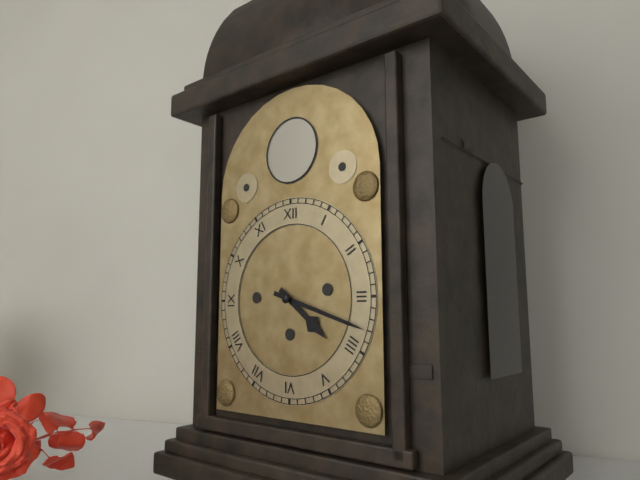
4:18
